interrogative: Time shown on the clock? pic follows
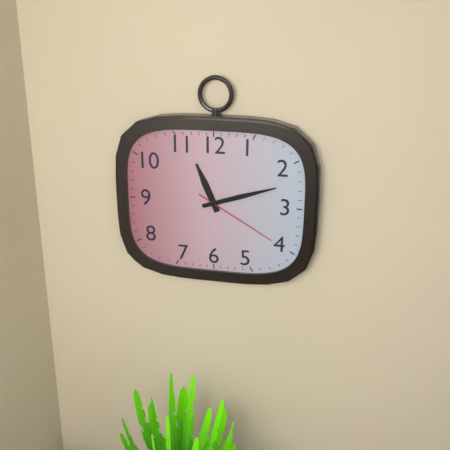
11:12:20
